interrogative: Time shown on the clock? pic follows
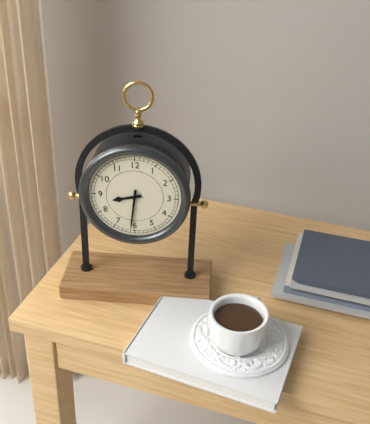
8:31
